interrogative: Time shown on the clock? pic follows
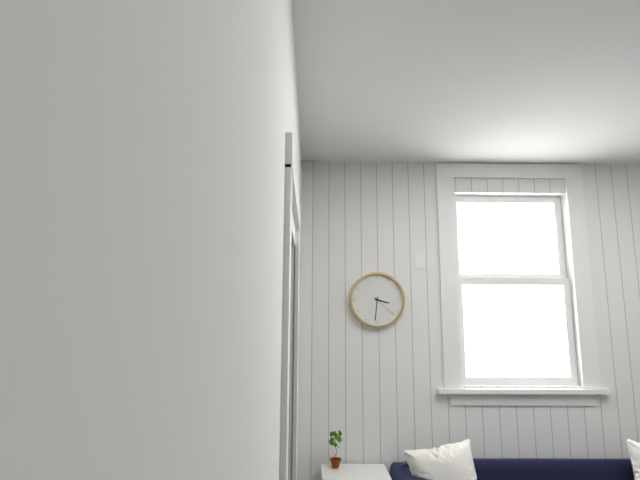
3:31
